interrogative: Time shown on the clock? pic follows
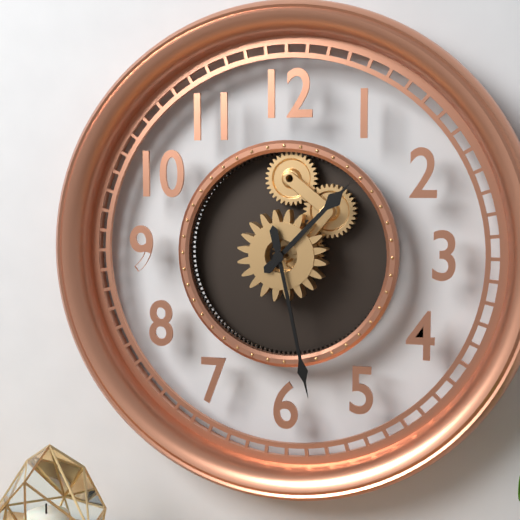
1:28
